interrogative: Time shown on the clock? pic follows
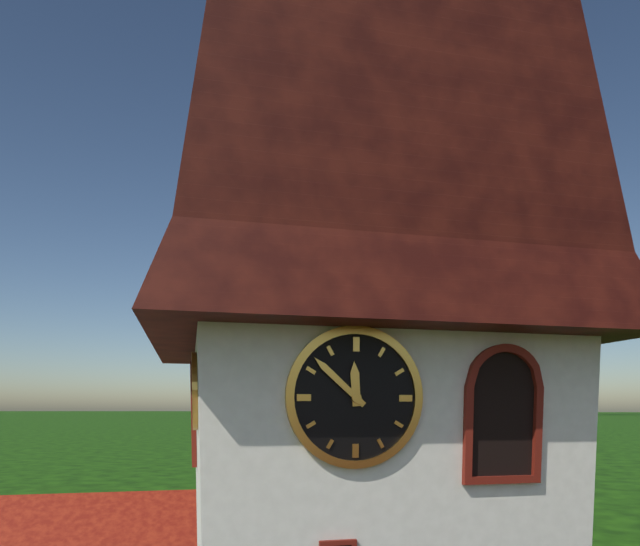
11:52
